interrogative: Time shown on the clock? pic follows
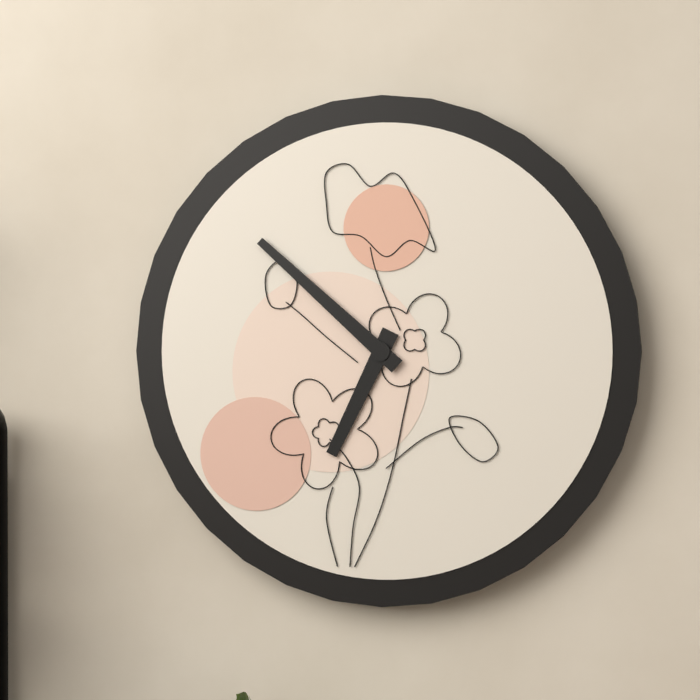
6:52
